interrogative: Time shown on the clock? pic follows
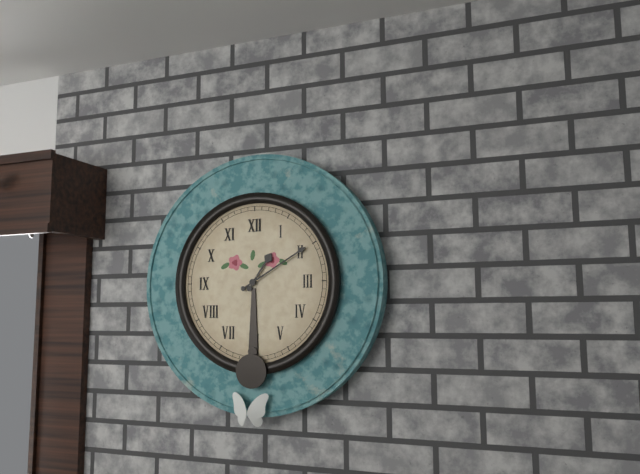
1:10
